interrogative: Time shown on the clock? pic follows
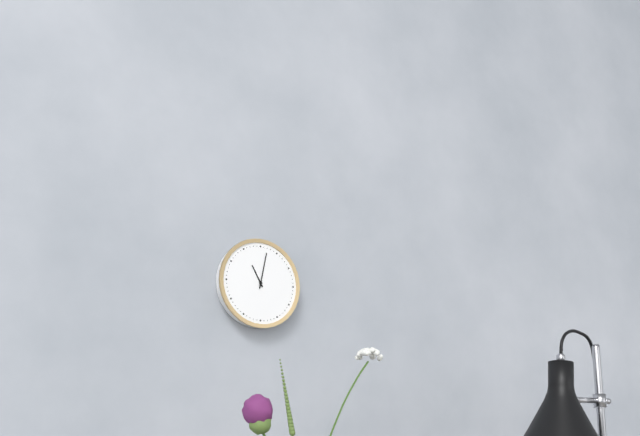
11:02
